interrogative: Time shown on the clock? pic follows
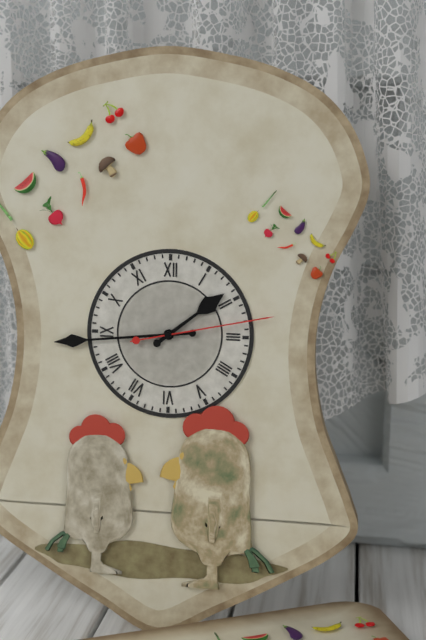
1:44:13
